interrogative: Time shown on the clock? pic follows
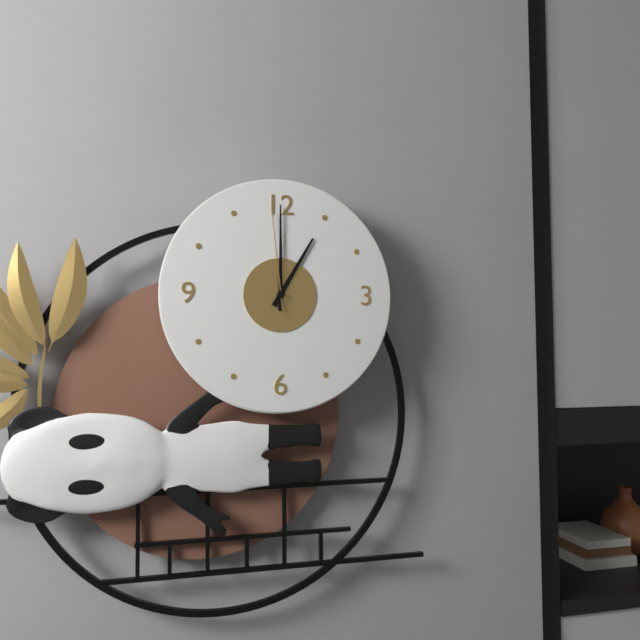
1:00:59
